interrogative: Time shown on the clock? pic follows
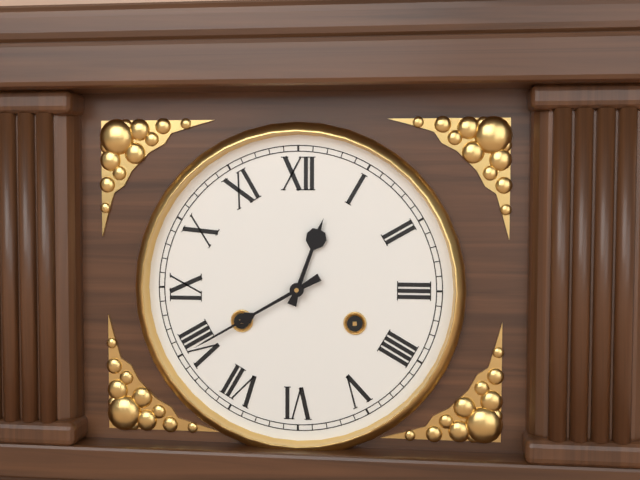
12:40
